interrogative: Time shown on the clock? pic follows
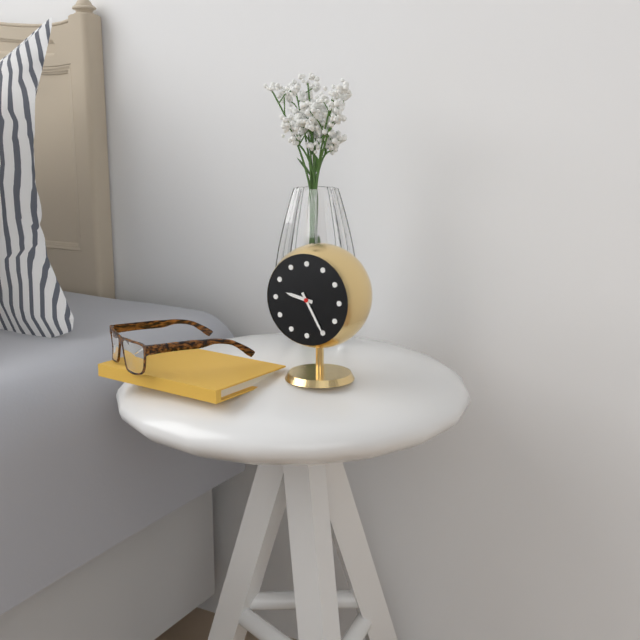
9:25
